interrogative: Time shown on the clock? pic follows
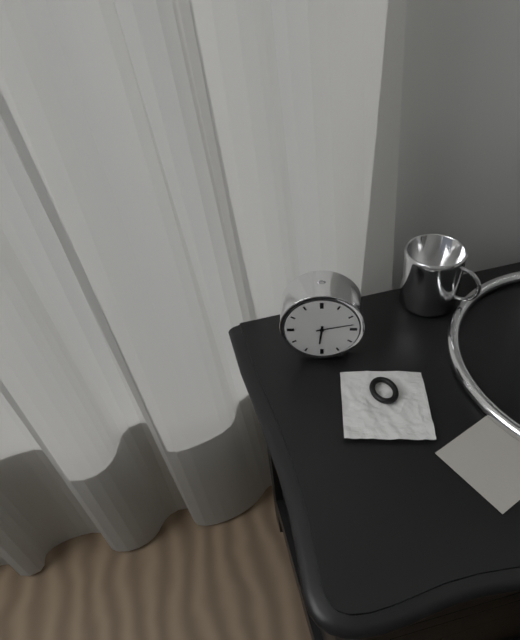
6:13
